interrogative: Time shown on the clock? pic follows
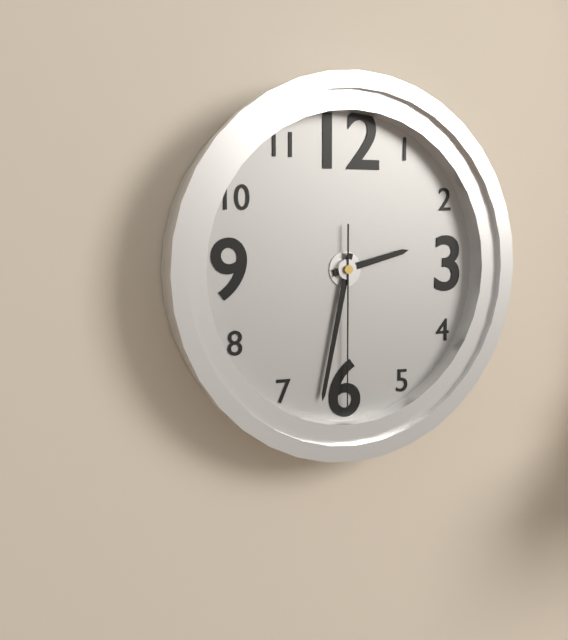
2:32:30
